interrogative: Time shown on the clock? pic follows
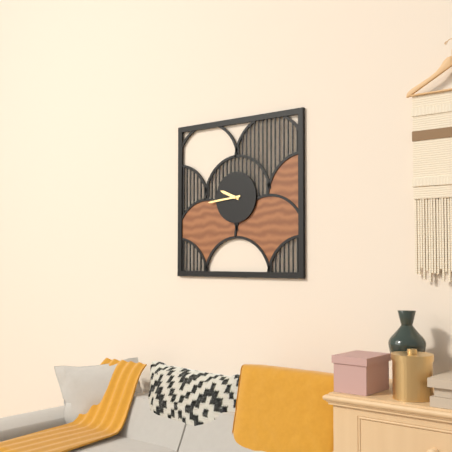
9:44
